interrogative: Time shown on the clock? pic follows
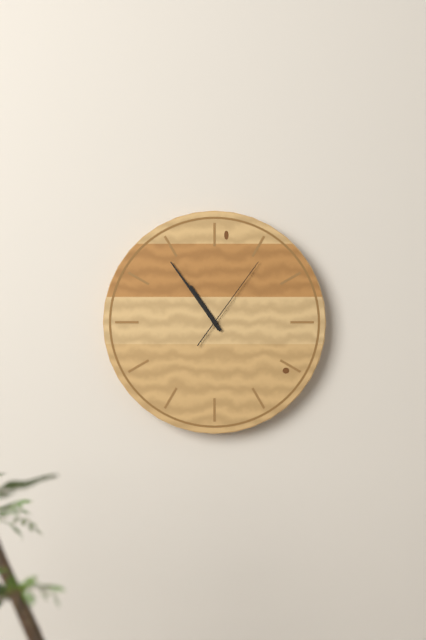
10:54:06
